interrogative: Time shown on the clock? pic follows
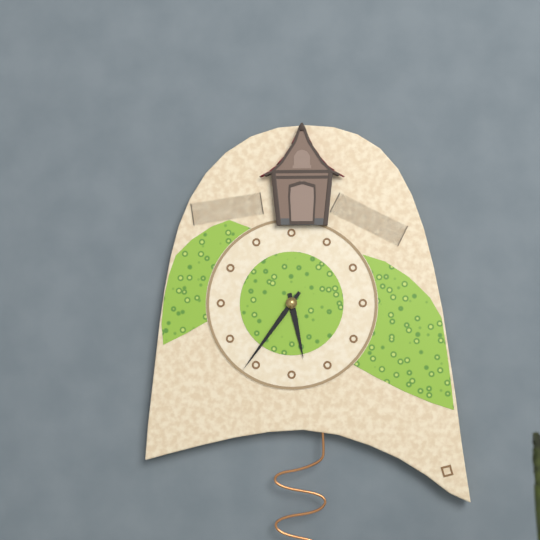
5:36
